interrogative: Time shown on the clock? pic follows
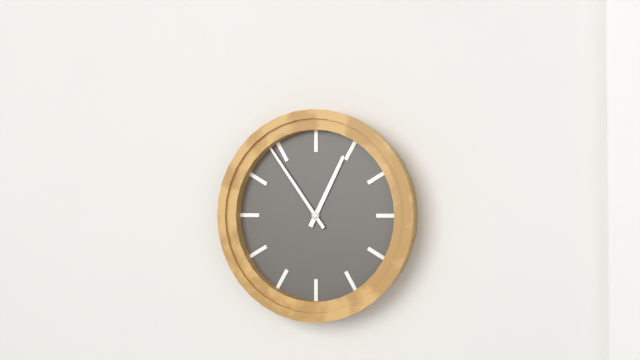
12:54
